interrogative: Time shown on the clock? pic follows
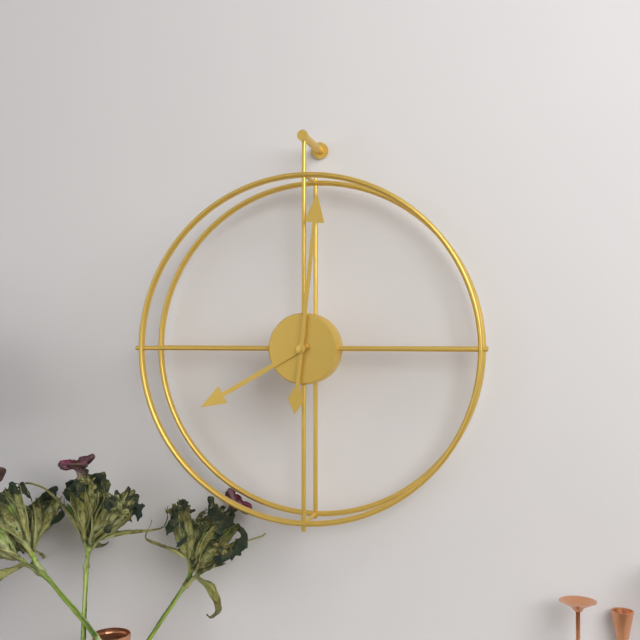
8:01
